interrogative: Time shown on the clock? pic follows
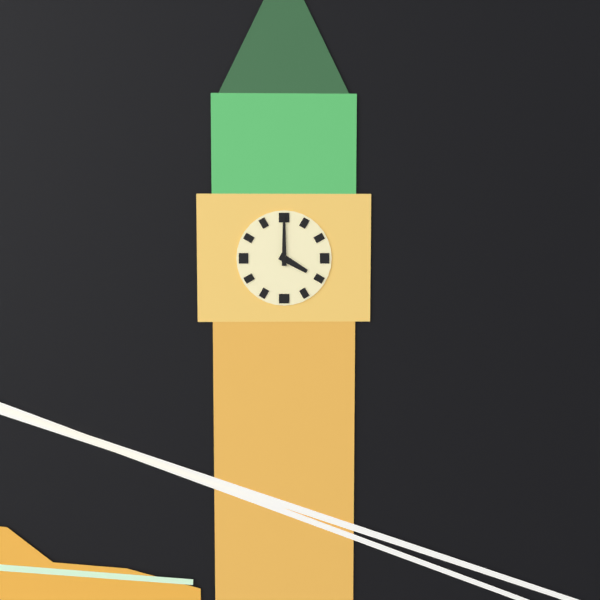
4:00
